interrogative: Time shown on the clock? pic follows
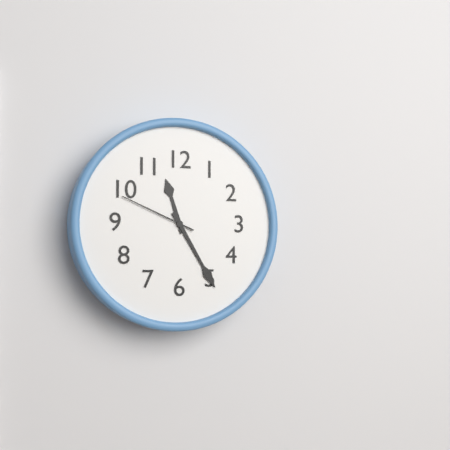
11:25:49
